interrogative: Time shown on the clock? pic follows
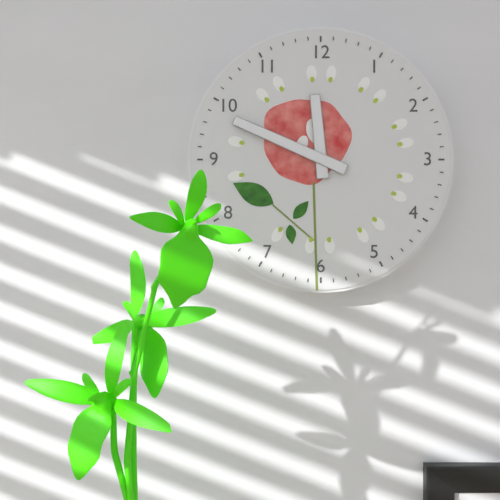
11:49
